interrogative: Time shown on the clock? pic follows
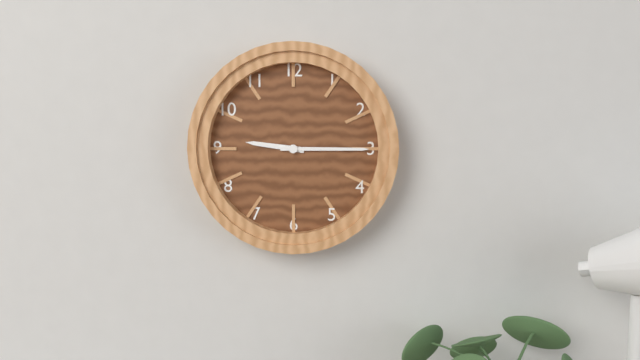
9:15
